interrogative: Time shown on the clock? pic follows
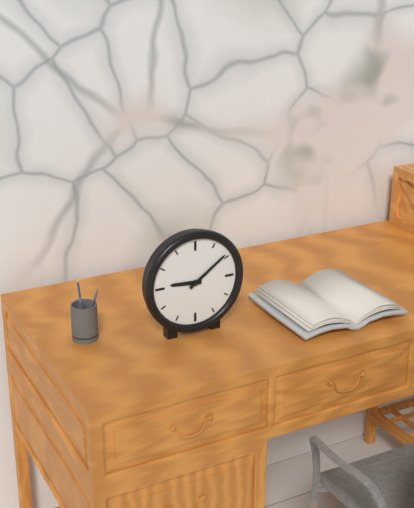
9:09
